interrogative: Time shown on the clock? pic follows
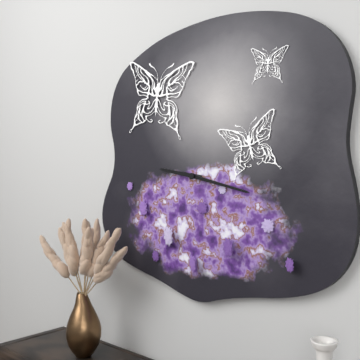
9:17
